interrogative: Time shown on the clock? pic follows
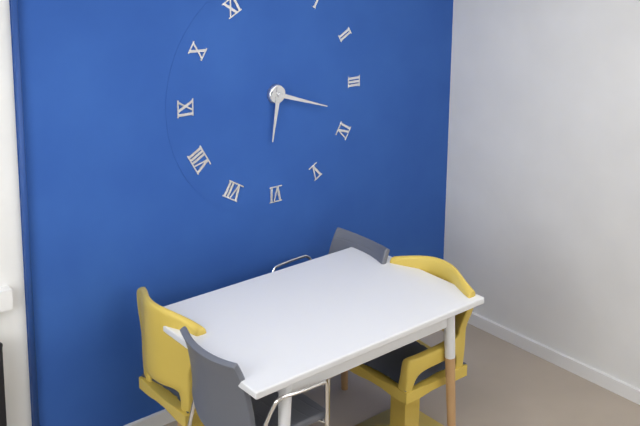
6:18
